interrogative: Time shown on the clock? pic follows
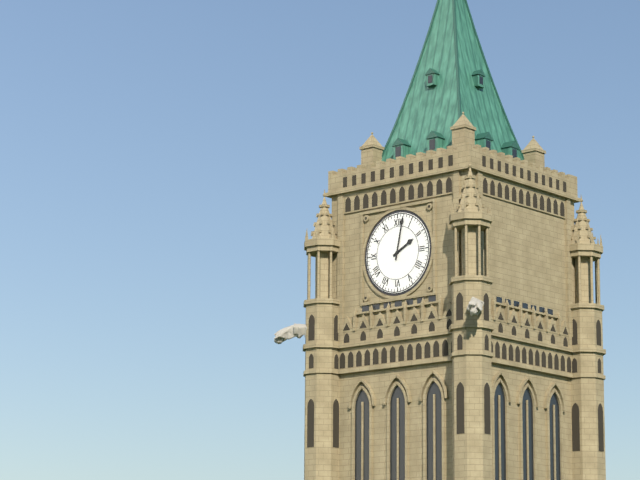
2:02
